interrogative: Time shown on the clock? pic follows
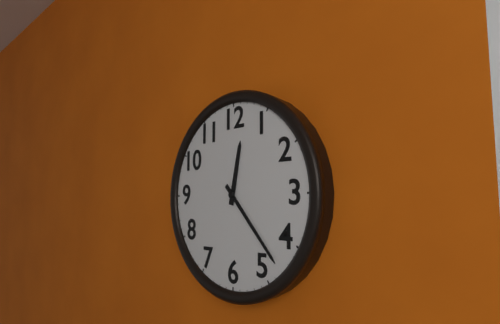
12:23
